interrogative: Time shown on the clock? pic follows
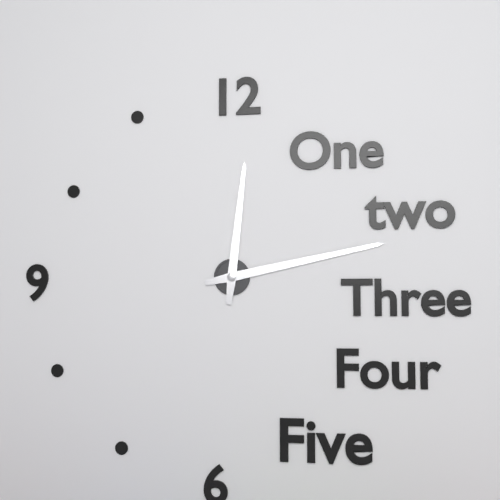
12:13
